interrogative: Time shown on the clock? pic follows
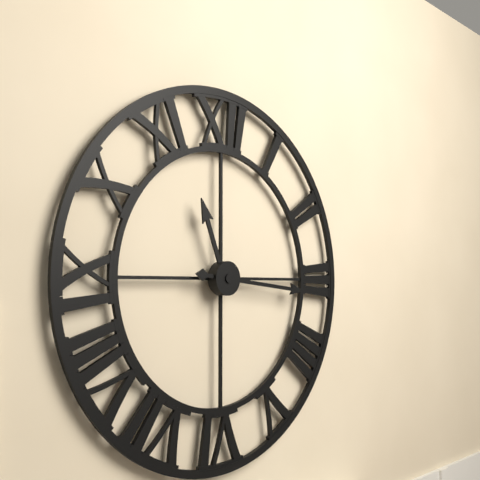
11:16
